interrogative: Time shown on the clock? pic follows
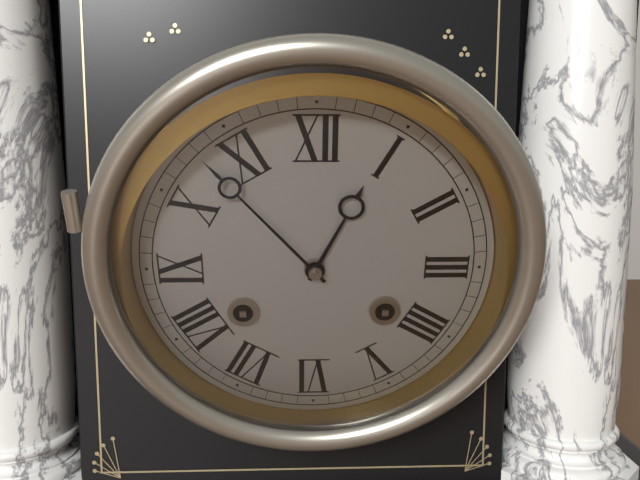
12:53
